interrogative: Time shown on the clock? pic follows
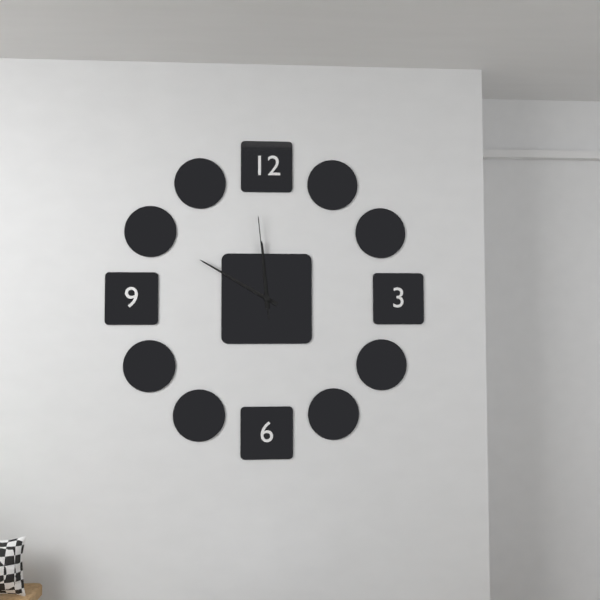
11:50:59
